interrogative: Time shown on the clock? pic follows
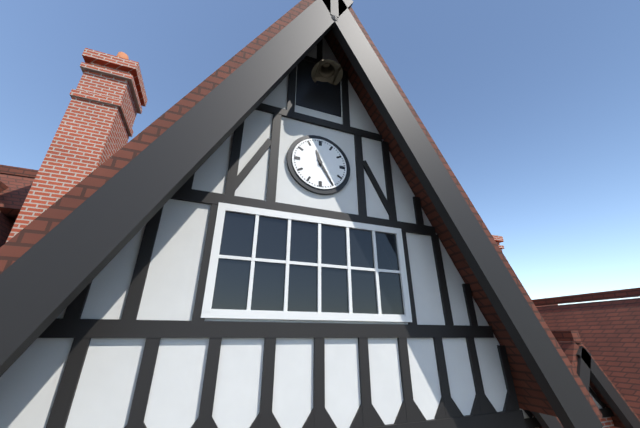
11:25
